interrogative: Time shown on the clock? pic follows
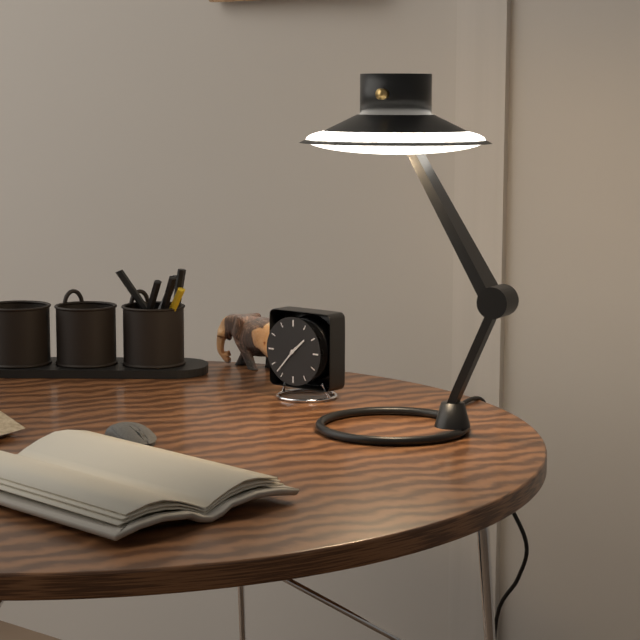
1:37
